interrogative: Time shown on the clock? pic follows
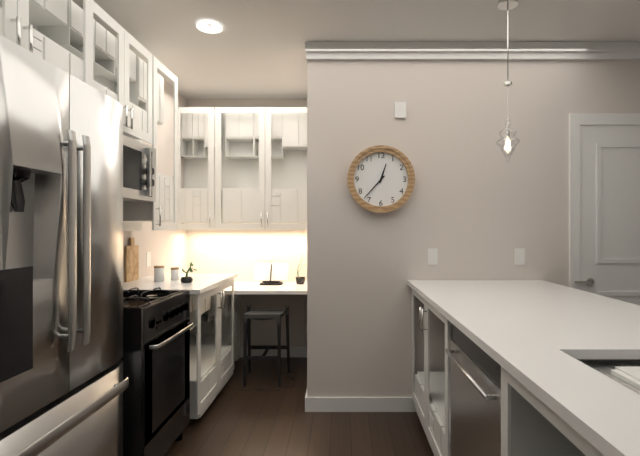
12:37
